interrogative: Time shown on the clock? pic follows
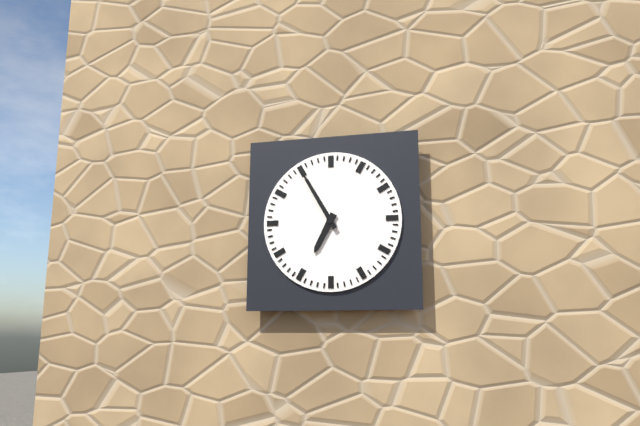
6:55
